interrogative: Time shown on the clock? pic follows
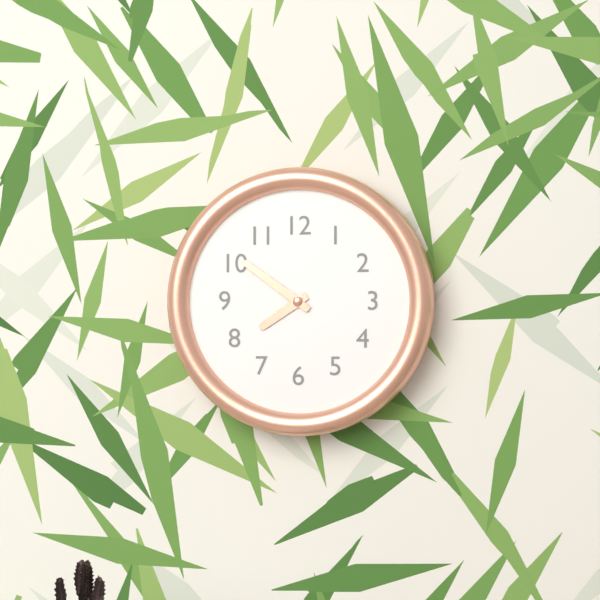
7:51
